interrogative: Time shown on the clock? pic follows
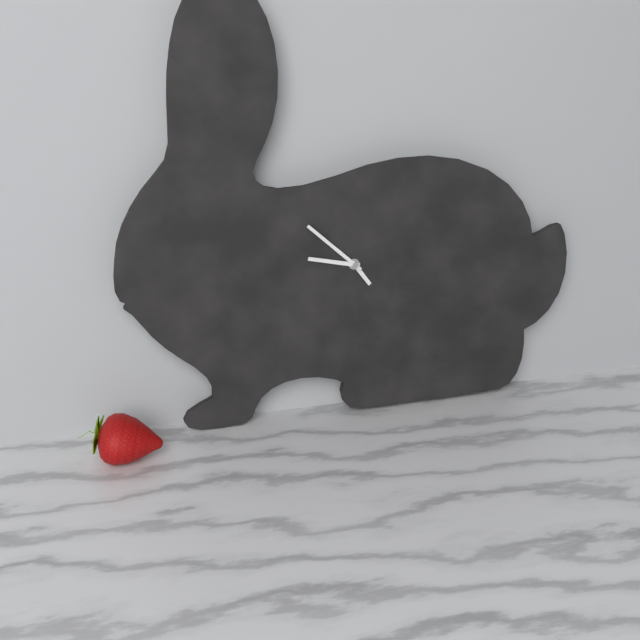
4:47:52
